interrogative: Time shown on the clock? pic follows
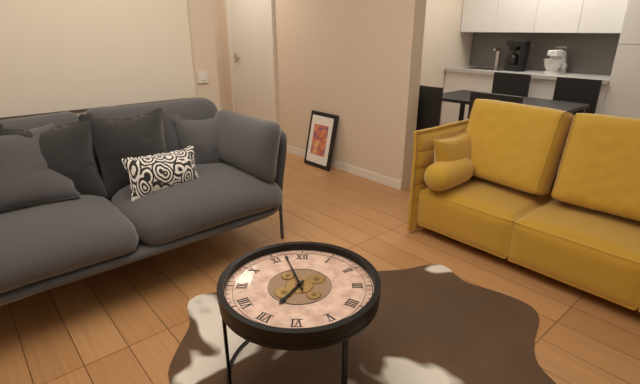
6:57
